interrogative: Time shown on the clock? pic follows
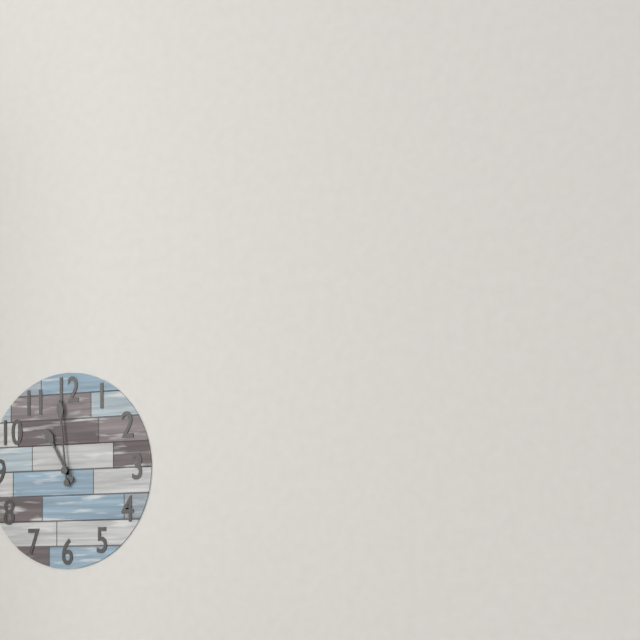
10:59
